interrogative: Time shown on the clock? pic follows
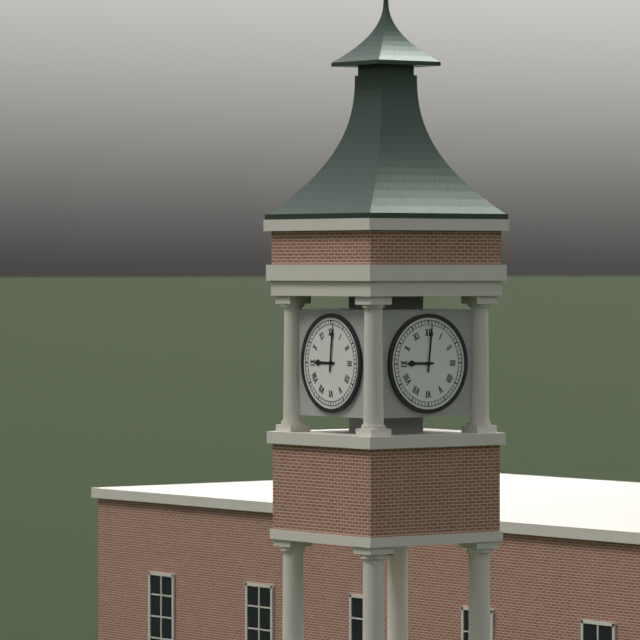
9:01
